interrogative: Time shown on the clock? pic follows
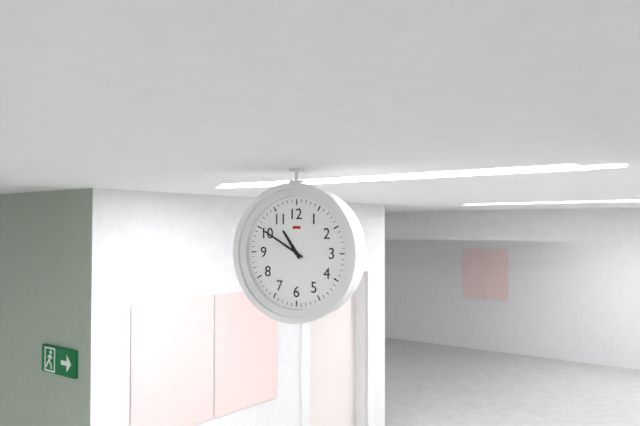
10:50
